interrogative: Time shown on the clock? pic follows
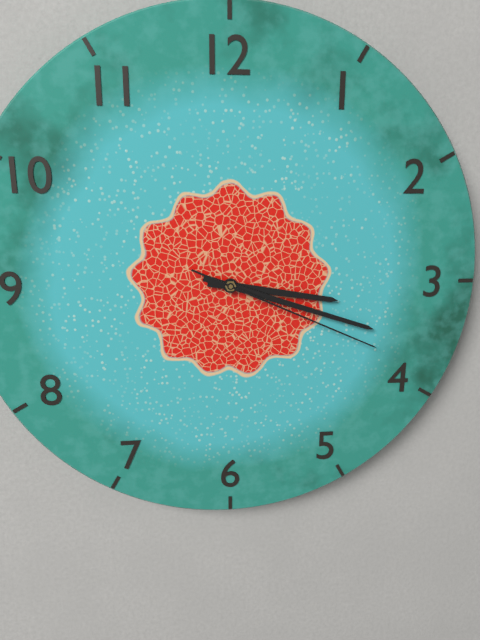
3:18:19
